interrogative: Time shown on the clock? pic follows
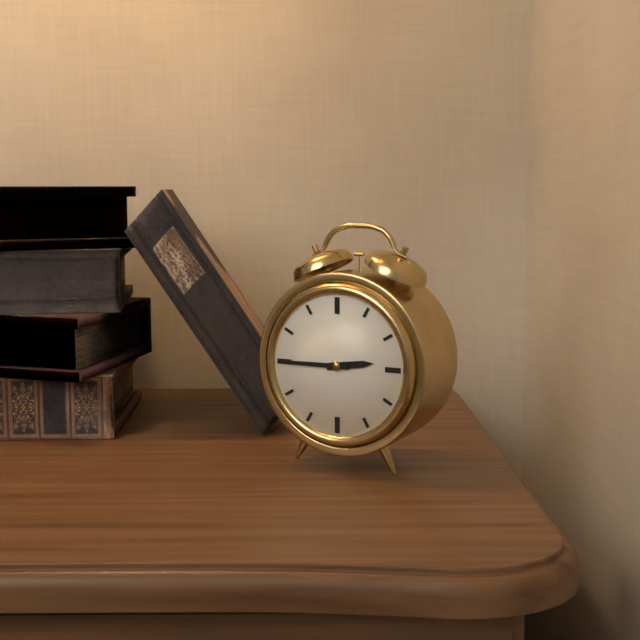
2:45
